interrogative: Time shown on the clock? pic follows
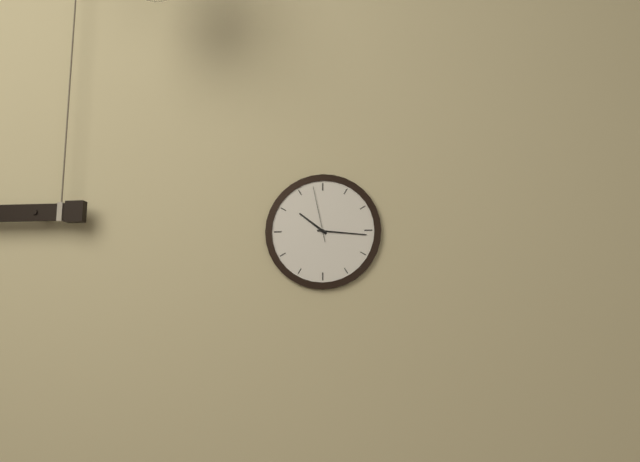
10:16:58
